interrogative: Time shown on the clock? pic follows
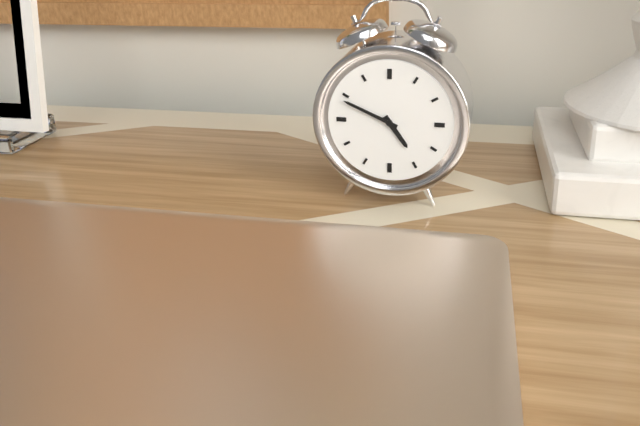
4:49
